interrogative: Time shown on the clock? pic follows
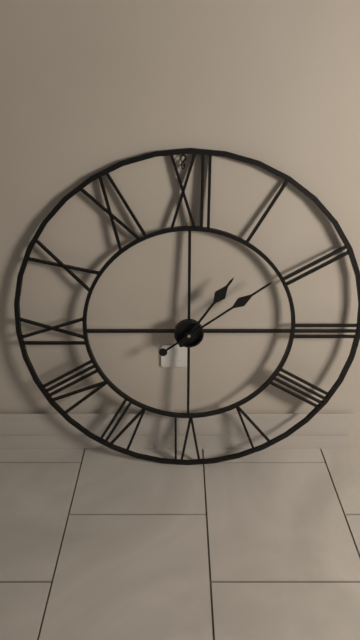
1:09
